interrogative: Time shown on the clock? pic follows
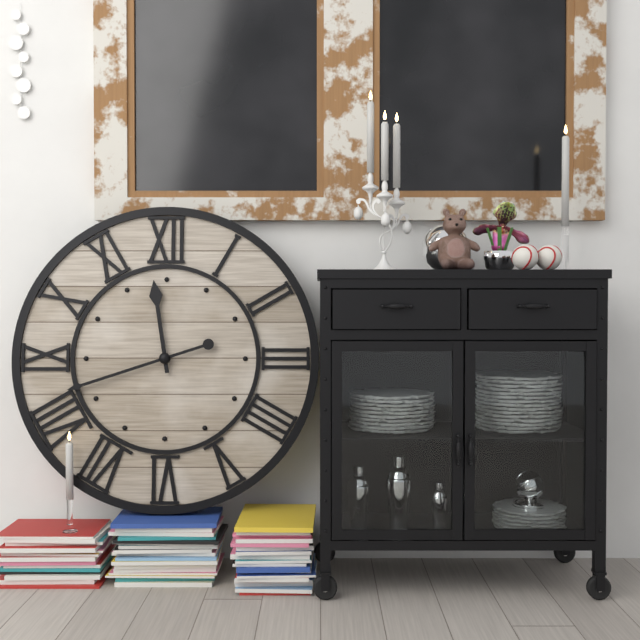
11:42
